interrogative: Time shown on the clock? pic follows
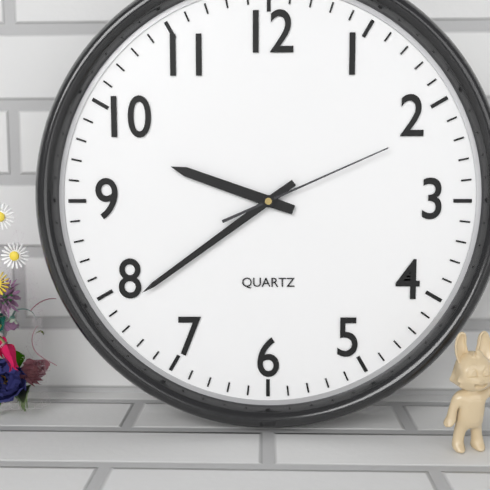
9:39:11
